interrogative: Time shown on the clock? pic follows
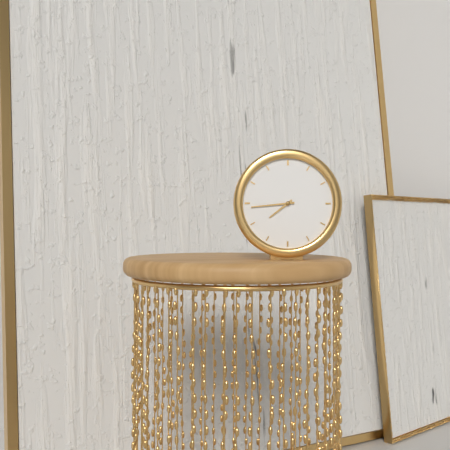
7:44
